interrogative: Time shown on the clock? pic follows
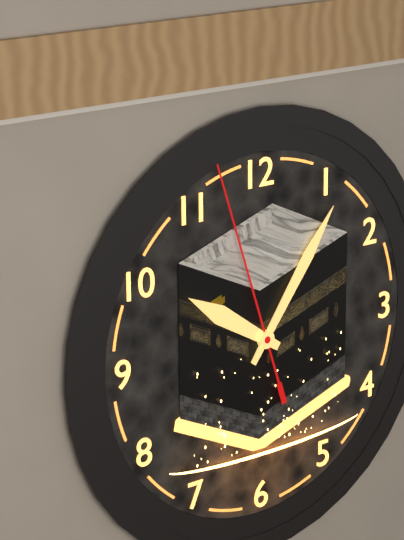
10:06:57
